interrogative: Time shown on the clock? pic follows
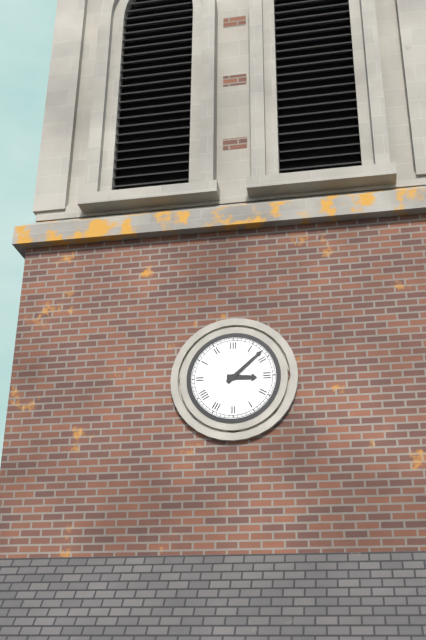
3:08
